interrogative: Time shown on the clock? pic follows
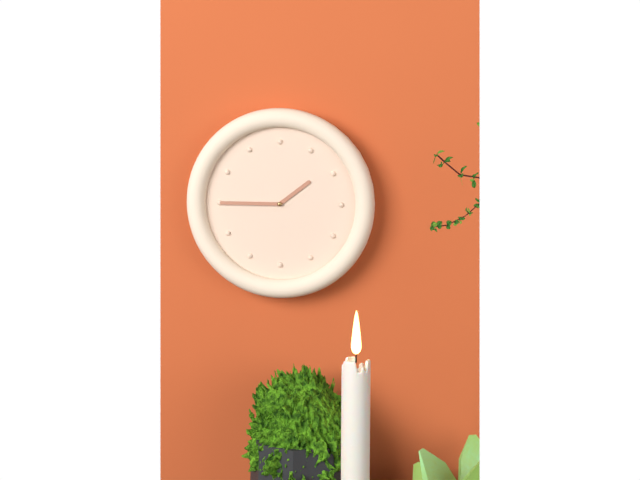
1:45
